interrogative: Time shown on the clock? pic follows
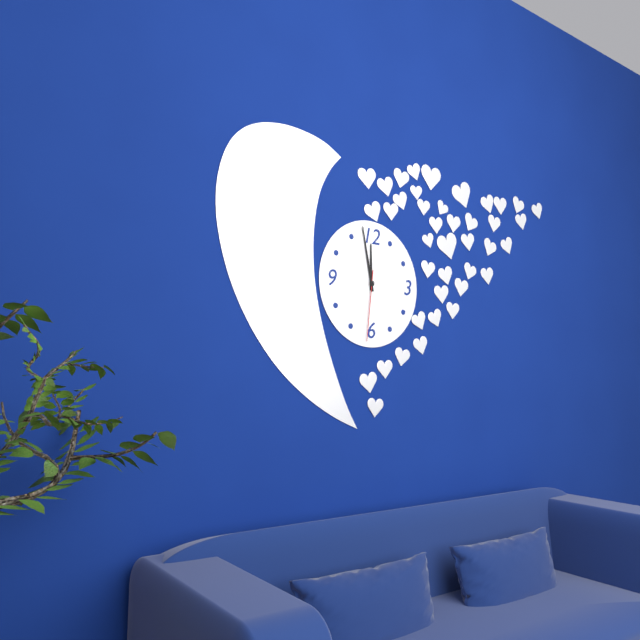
11:58:31
